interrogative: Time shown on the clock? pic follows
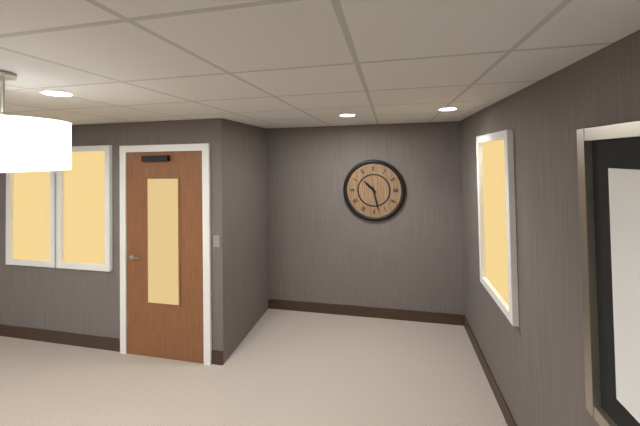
10:28
